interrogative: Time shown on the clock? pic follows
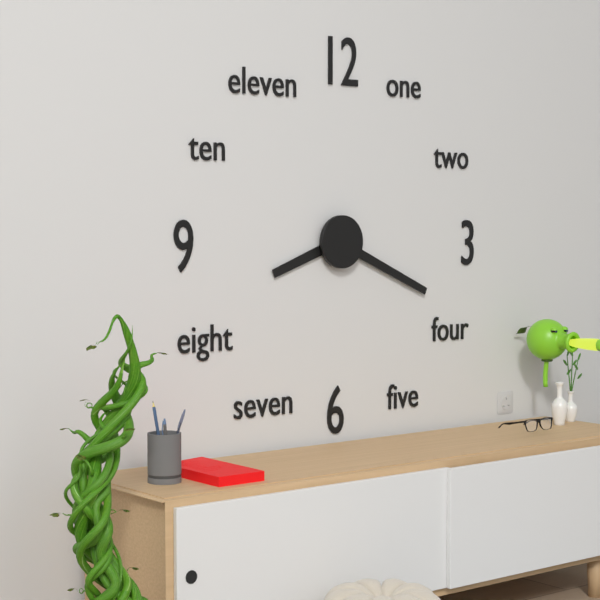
8:19
